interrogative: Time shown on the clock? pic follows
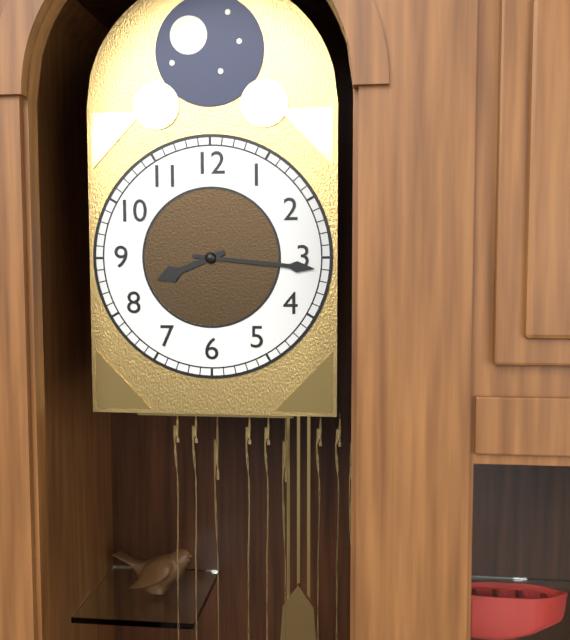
8:16
